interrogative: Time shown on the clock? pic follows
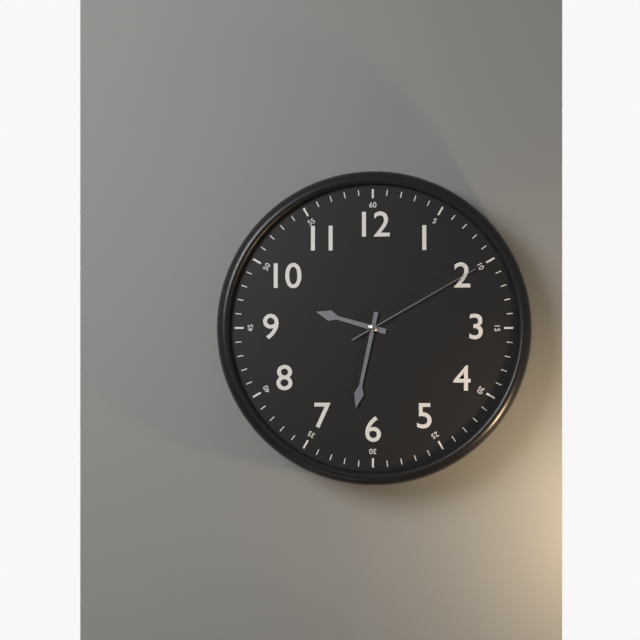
9:32:10
